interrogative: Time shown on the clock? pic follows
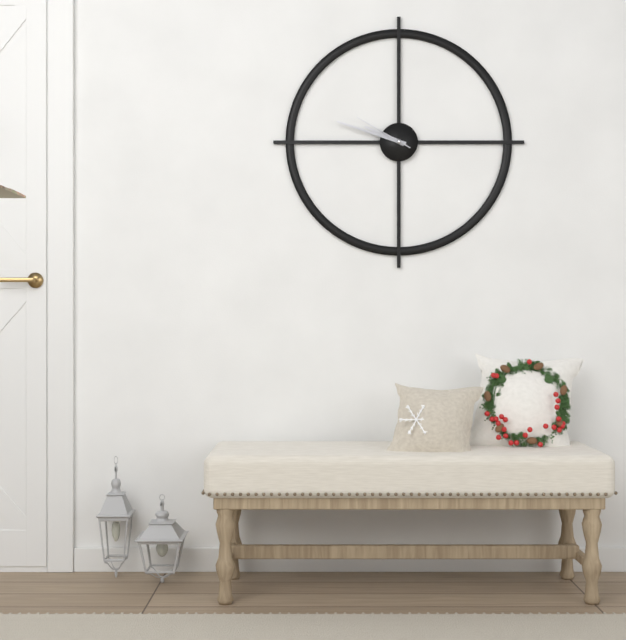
9:48:50
